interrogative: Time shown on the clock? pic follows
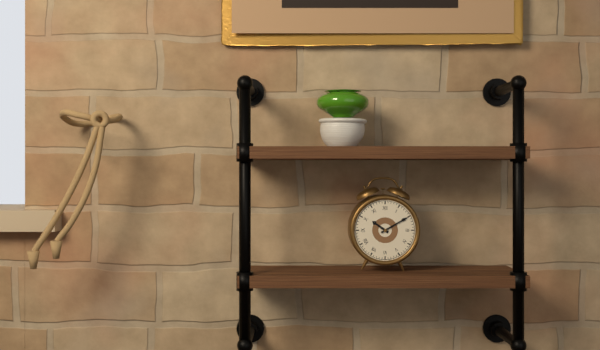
10:10
